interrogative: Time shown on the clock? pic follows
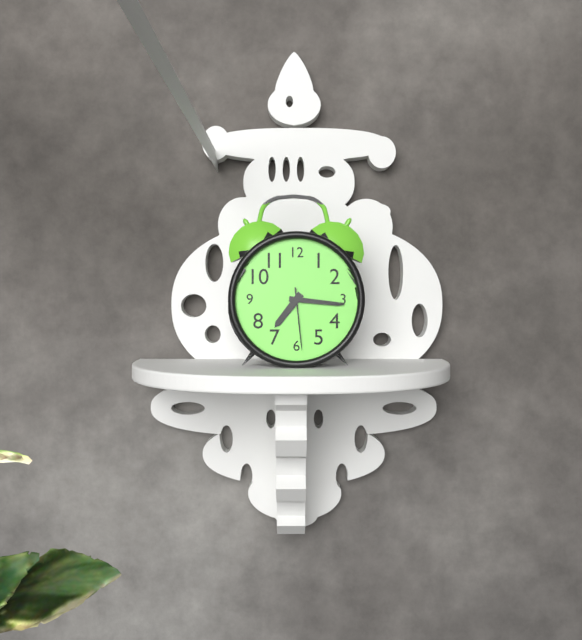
7:16:29
